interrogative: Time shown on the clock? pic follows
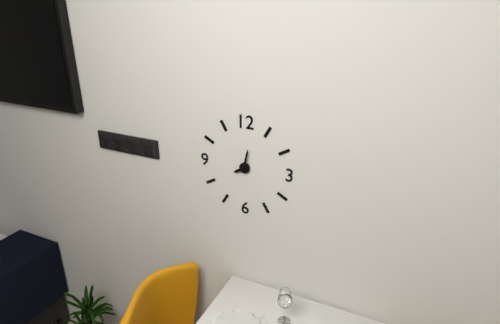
8:02
